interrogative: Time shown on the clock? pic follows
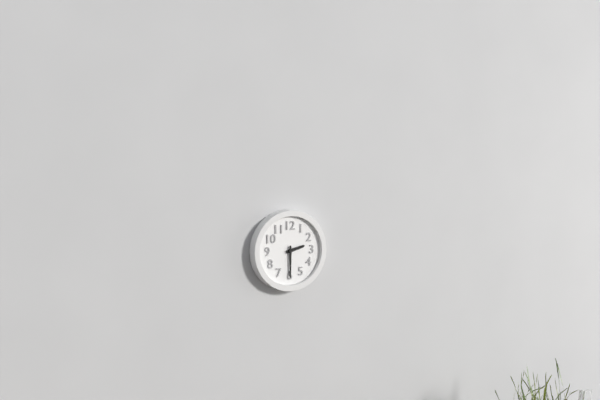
2:30
